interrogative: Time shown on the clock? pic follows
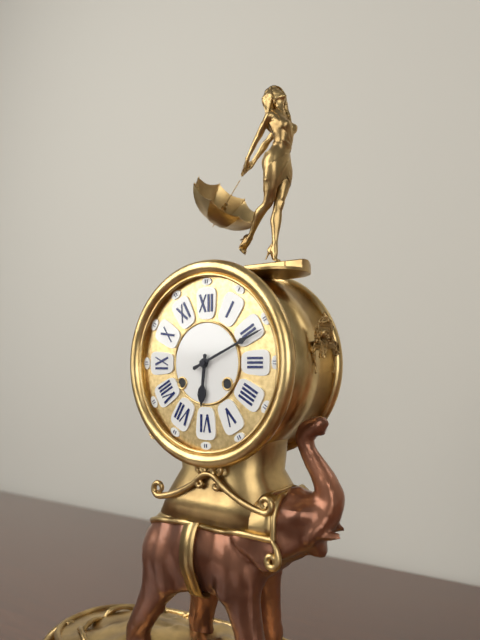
6:11
